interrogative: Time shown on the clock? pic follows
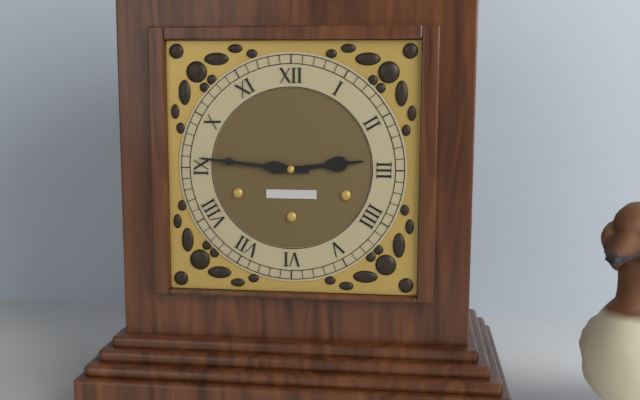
2:46
